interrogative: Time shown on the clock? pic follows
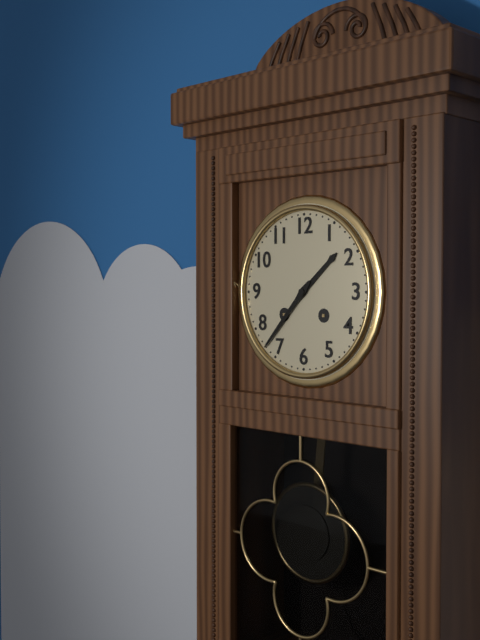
1:37
